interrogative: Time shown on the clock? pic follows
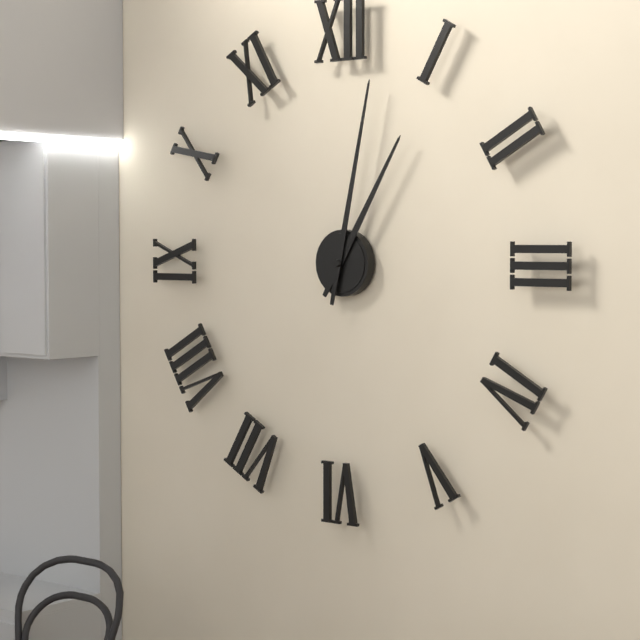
1:02
